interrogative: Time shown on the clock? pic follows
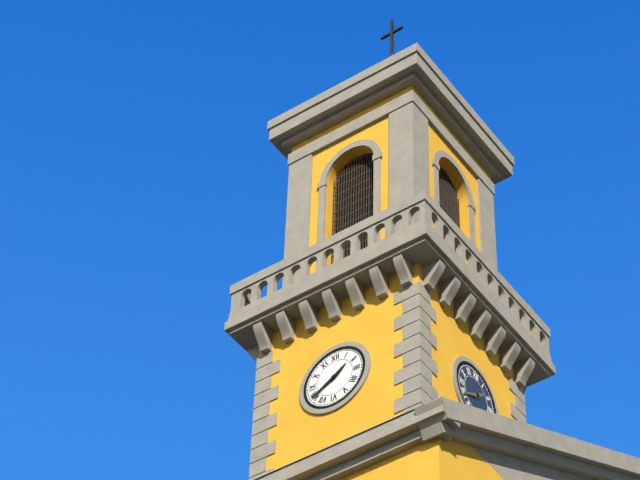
1:40
